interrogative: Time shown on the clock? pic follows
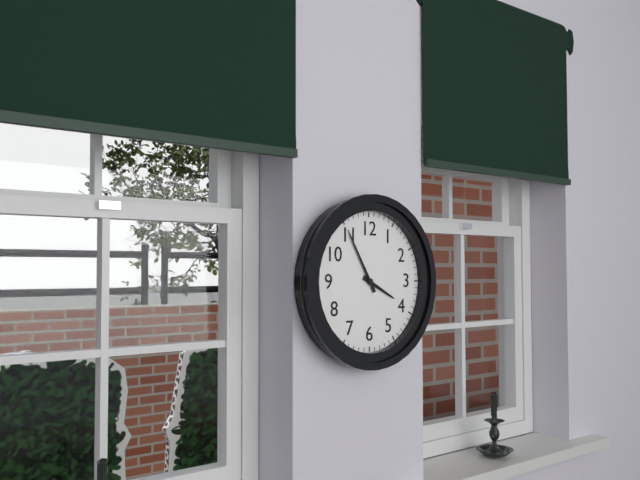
3:55
